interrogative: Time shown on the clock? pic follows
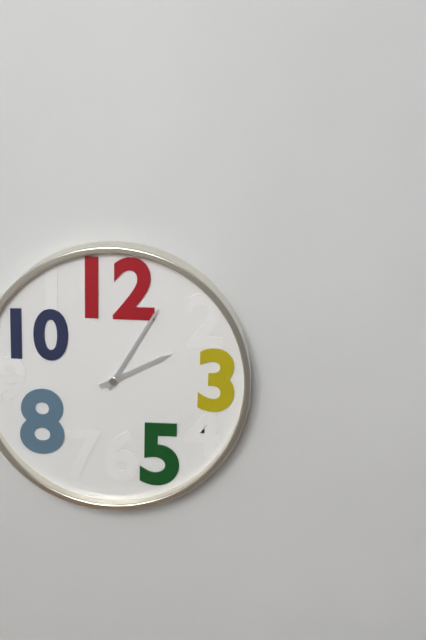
2:05
